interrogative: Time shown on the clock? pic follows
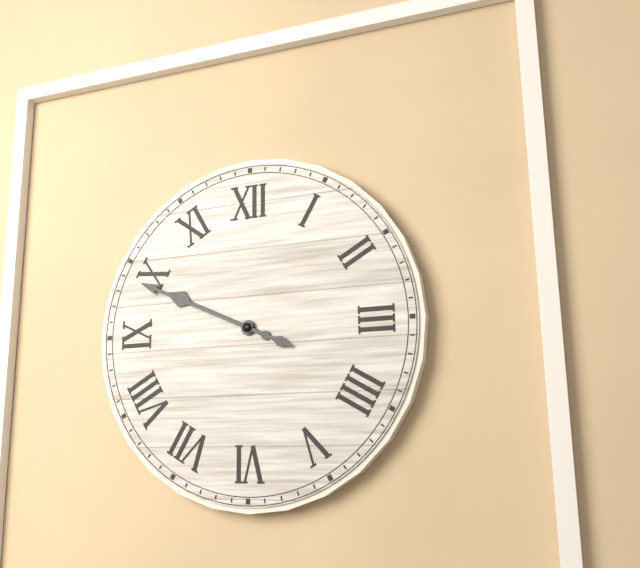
9:49
